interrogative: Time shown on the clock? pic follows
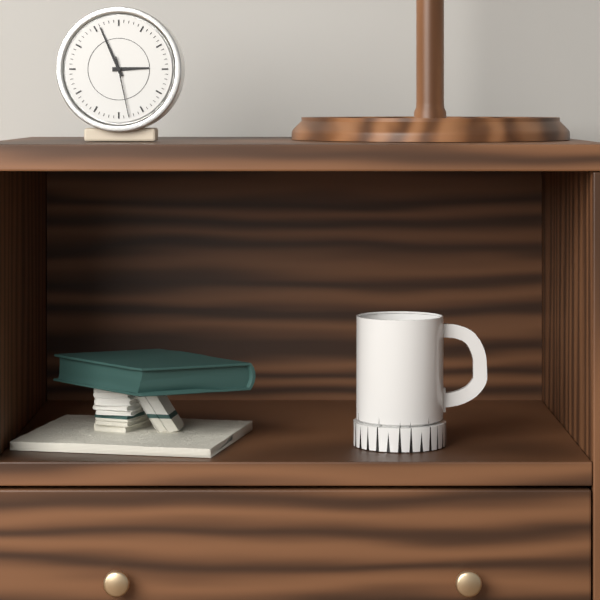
2:56:28
